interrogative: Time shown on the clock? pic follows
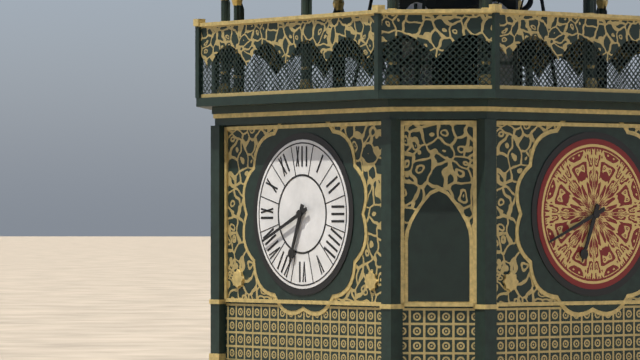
6:41
